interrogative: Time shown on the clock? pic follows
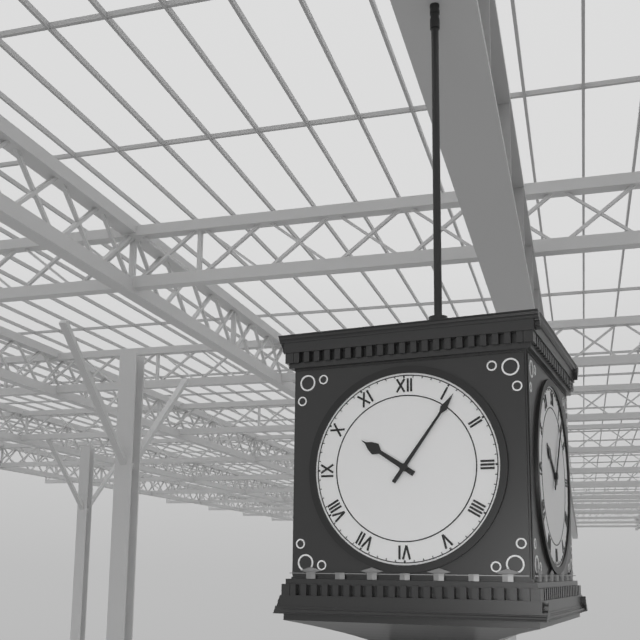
10:06
